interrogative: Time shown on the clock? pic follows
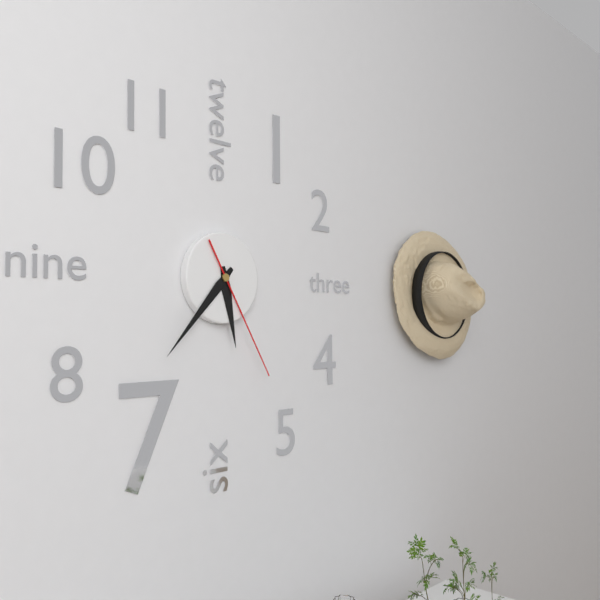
5:37:25
